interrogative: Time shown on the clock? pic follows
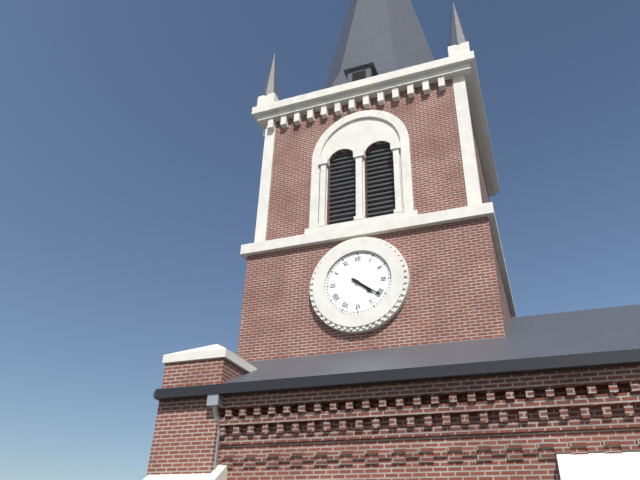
4:21
